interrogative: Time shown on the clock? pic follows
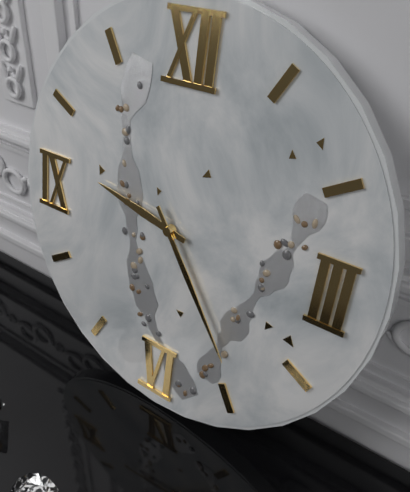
9:24
